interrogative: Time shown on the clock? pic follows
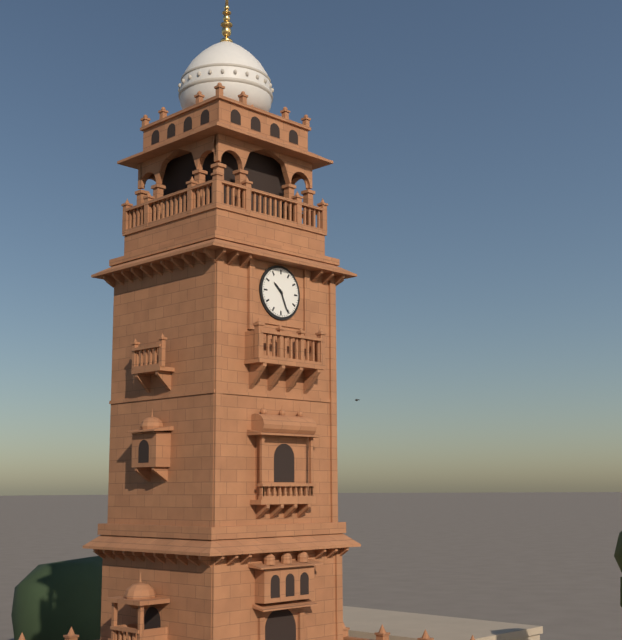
10:26
